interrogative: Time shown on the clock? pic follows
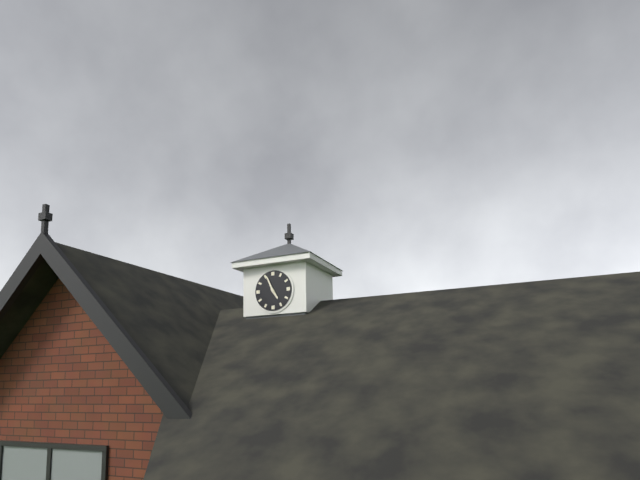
4:56
